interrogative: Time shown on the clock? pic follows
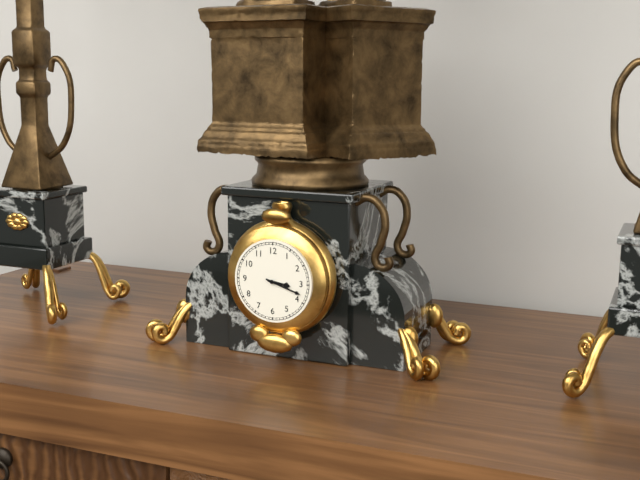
3:18
